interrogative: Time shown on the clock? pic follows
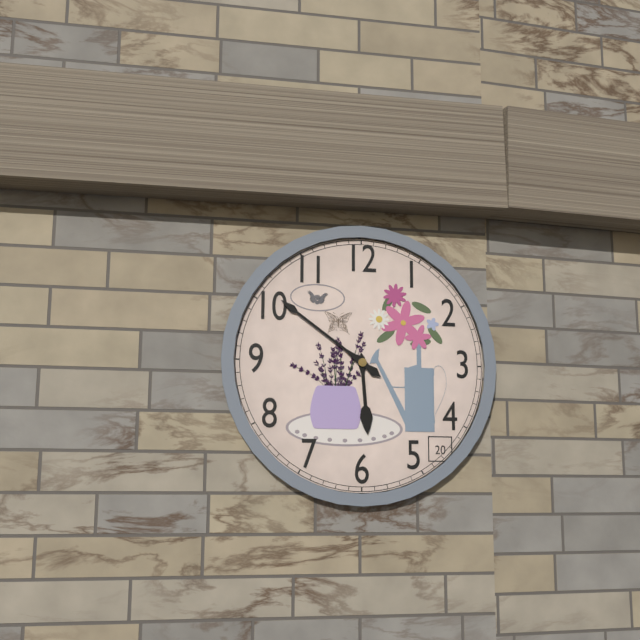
5:51
